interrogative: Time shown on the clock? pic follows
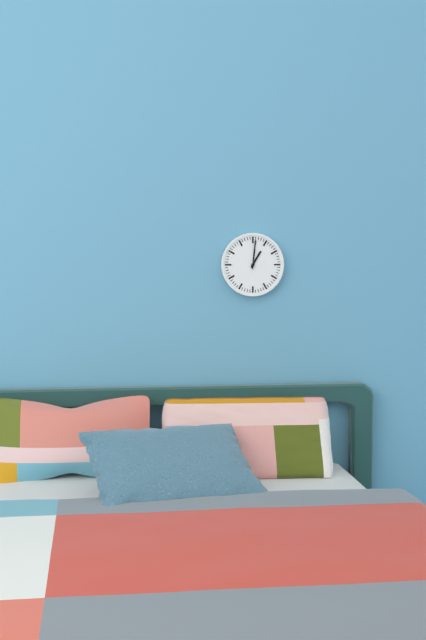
1:01
